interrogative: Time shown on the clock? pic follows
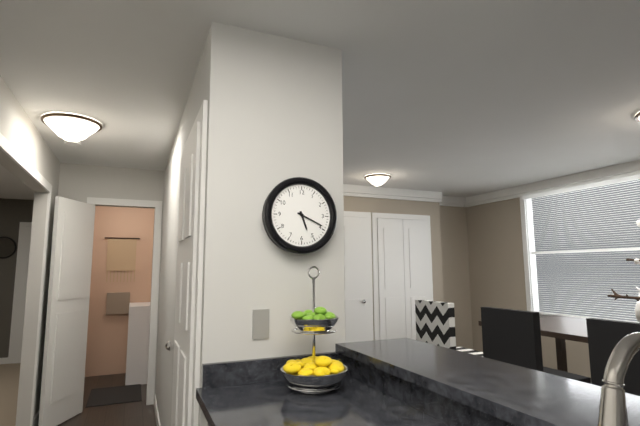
5:19
